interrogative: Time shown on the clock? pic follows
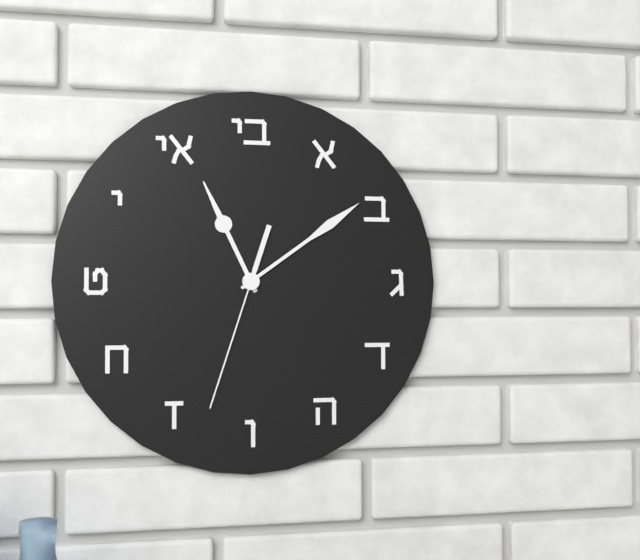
11:09:33
